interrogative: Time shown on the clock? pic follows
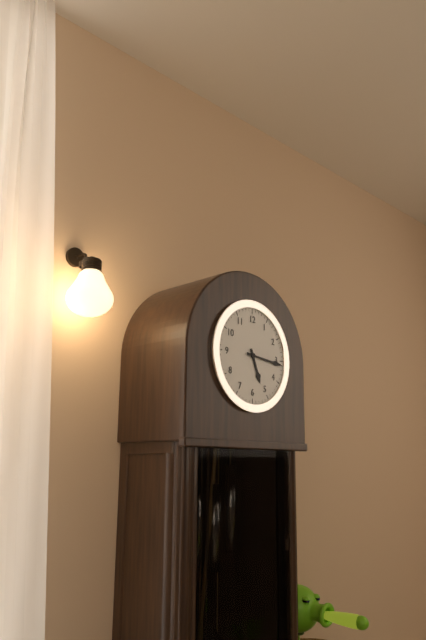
5:16
